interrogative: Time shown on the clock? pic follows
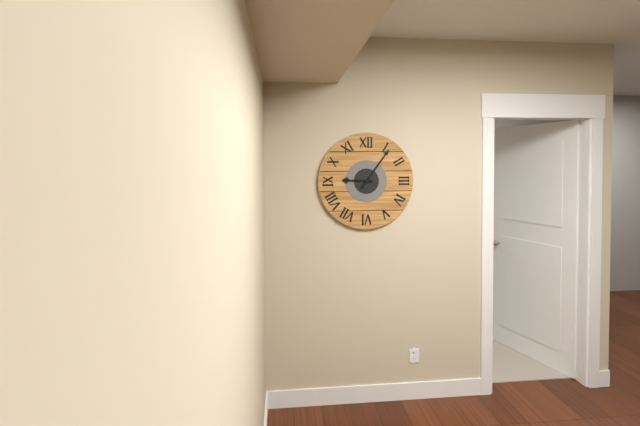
9:06
